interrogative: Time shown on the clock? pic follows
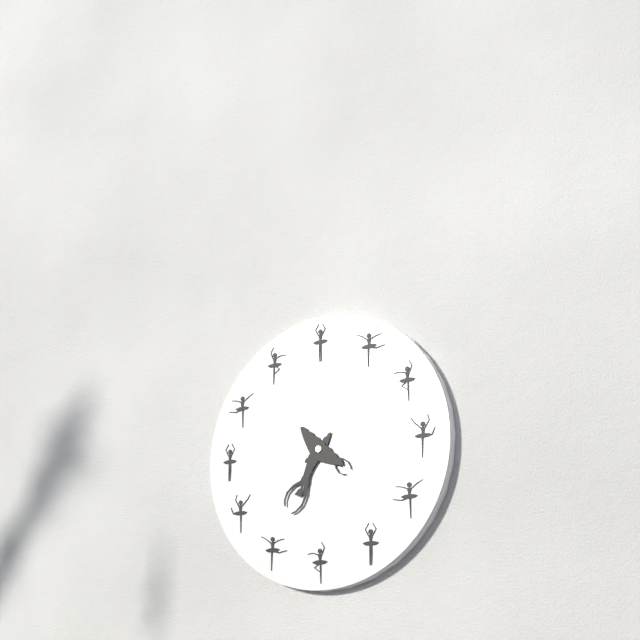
4:37
